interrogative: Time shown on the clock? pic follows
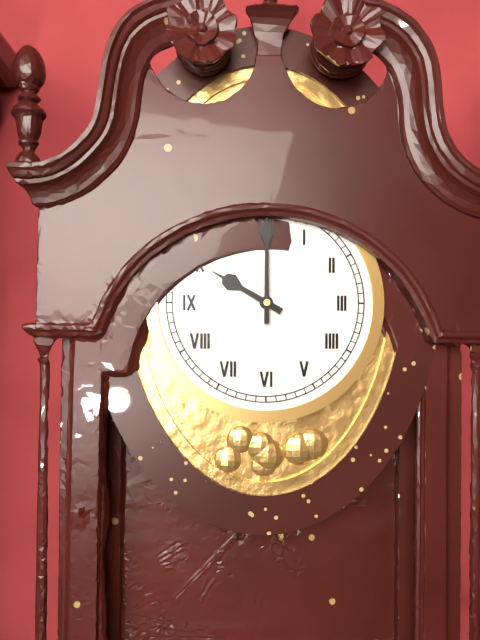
10:00
